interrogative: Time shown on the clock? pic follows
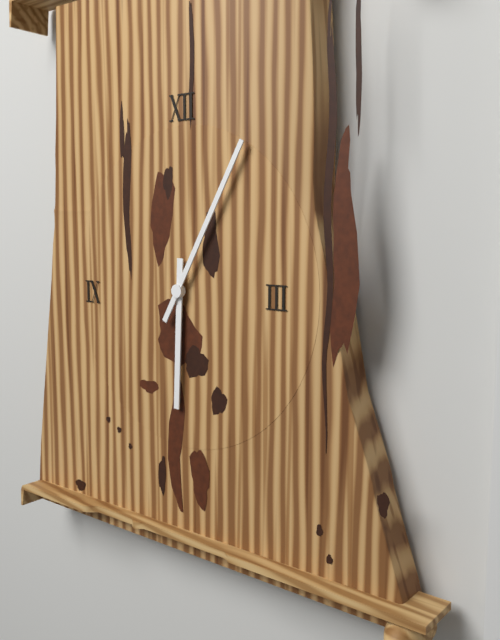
6:05
